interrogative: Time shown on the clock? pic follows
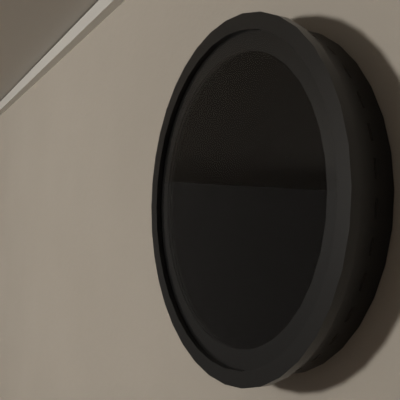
5:59
